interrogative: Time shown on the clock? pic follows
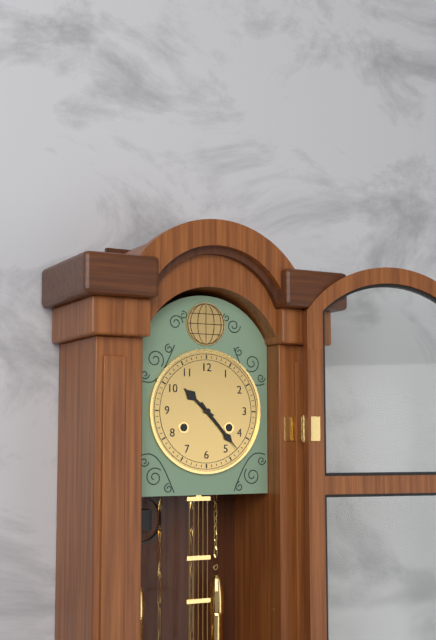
10:23
